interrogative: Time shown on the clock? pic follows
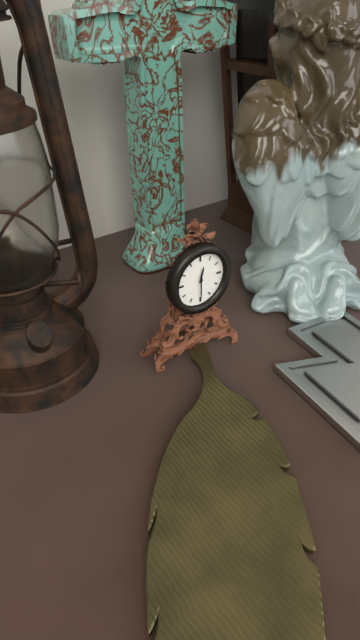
12:30
